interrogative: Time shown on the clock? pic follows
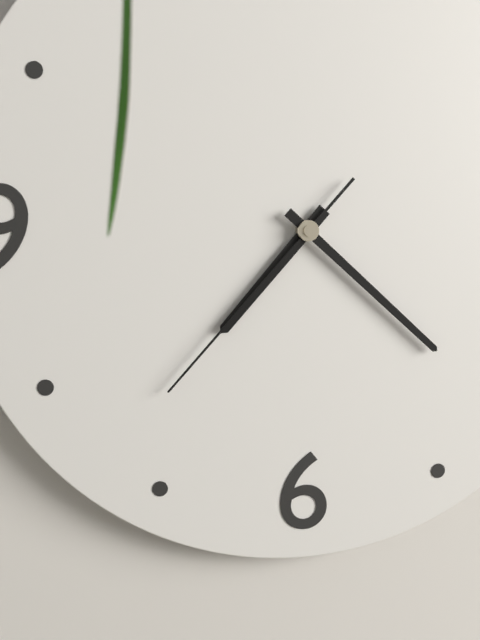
7:22:37
